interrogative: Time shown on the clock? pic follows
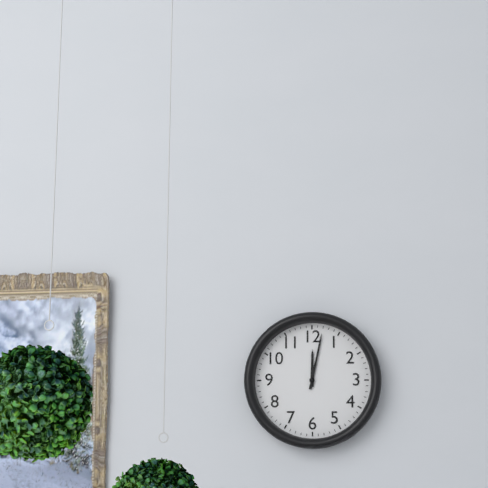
12:02
